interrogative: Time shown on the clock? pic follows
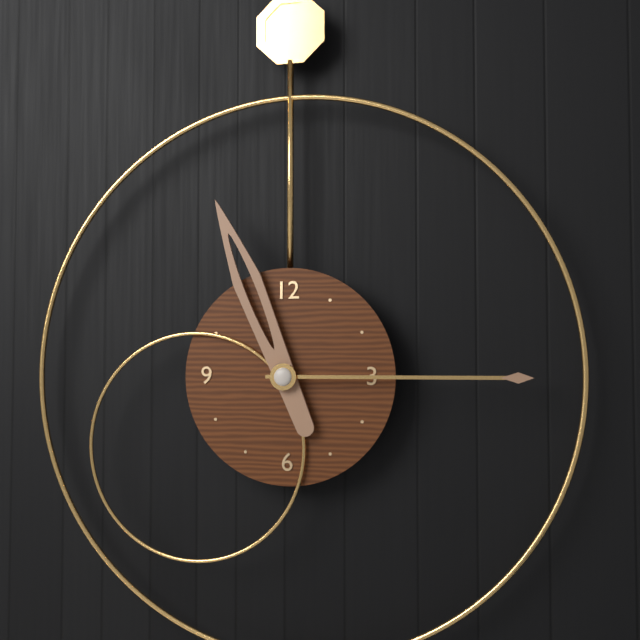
11:15
